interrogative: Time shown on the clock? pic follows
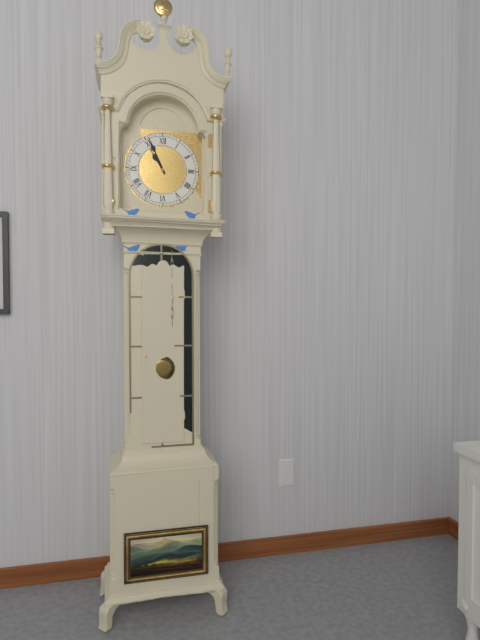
10:56
